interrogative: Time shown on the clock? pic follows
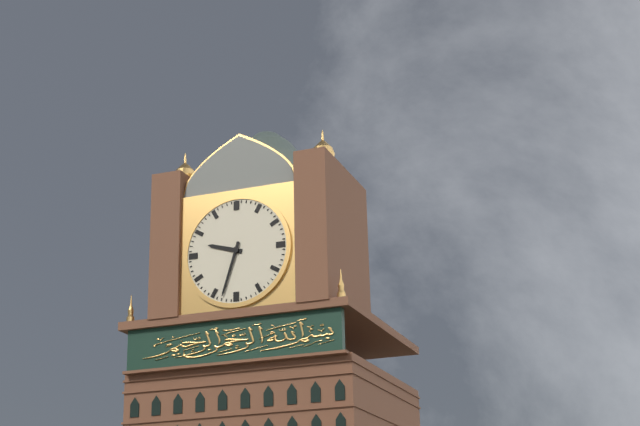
9:33
